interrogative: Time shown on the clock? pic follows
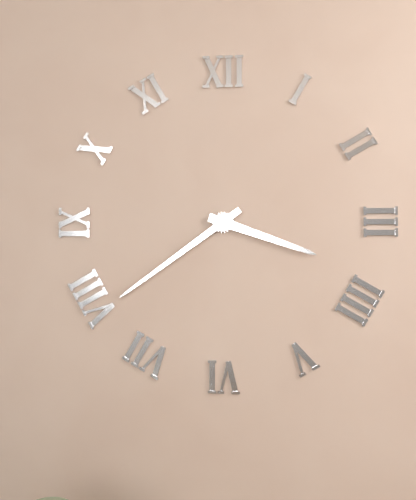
3:39
